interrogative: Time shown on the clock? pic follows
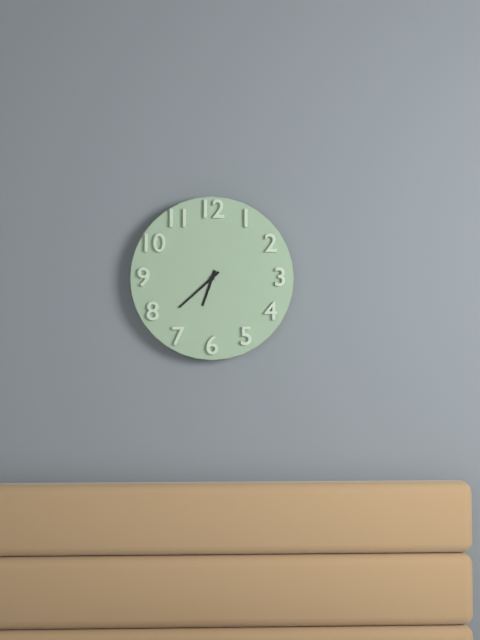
6:38
